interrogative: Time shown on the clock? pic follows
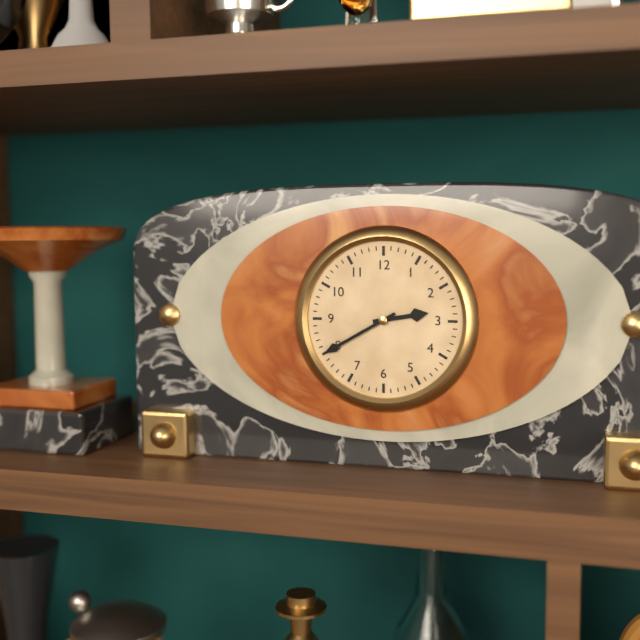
2:40
